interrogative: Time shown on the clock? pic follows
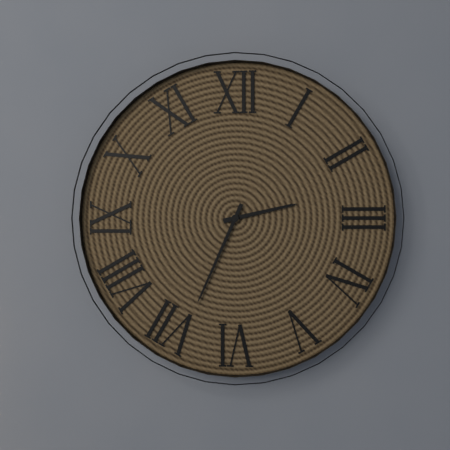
2:34
